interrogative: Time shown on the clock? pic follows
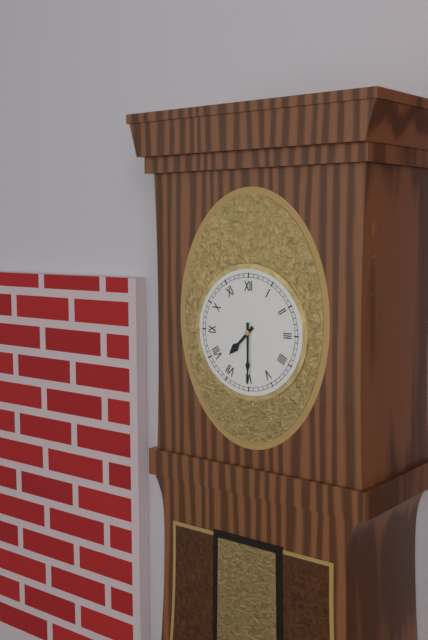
7:30
